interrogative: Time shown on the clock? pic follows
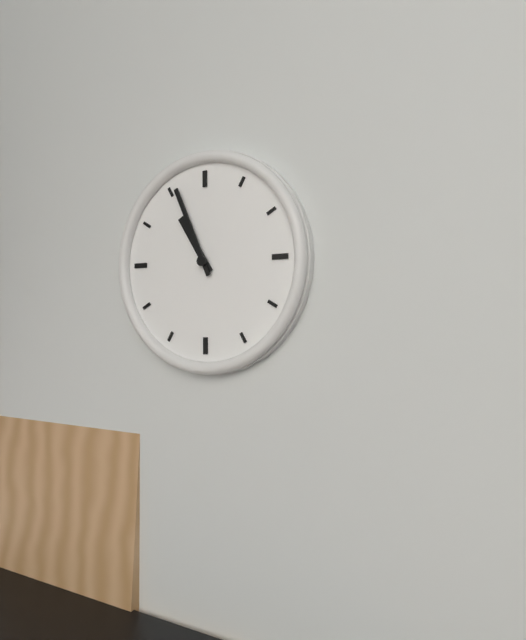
10:56
